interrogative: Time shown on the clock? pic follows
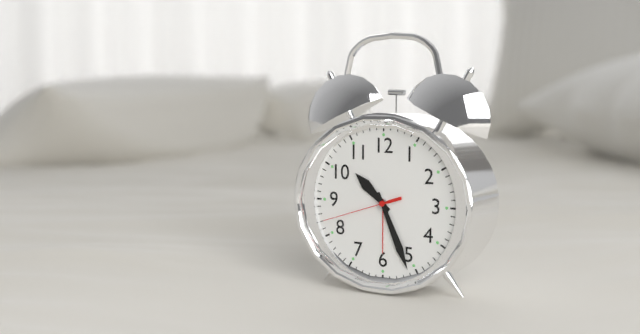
10:26:42
